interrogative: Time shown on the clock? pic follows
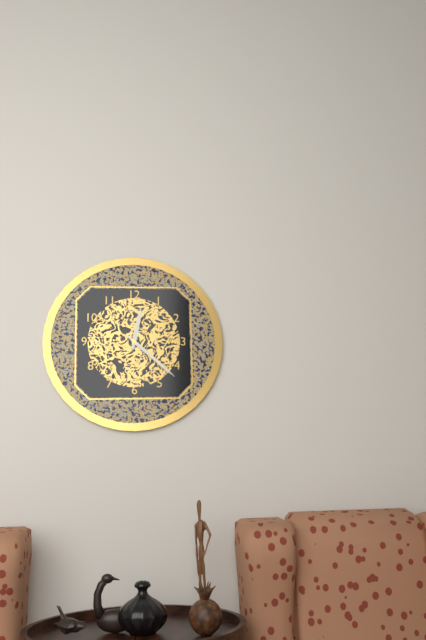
12:22
